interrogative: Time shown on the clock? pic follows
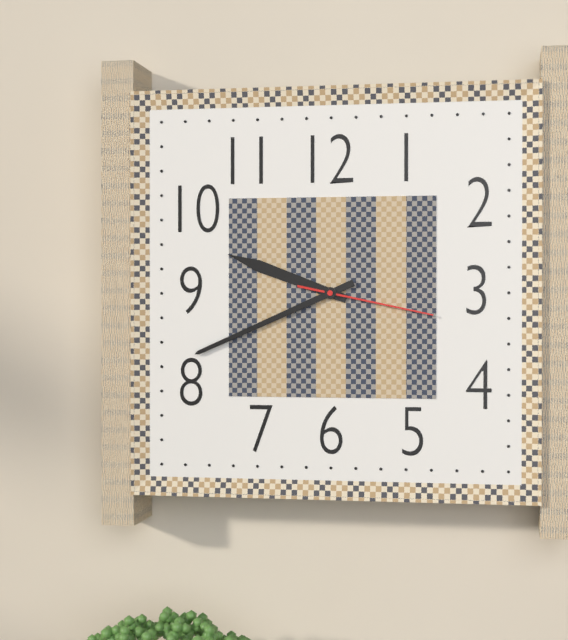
9:41:17
